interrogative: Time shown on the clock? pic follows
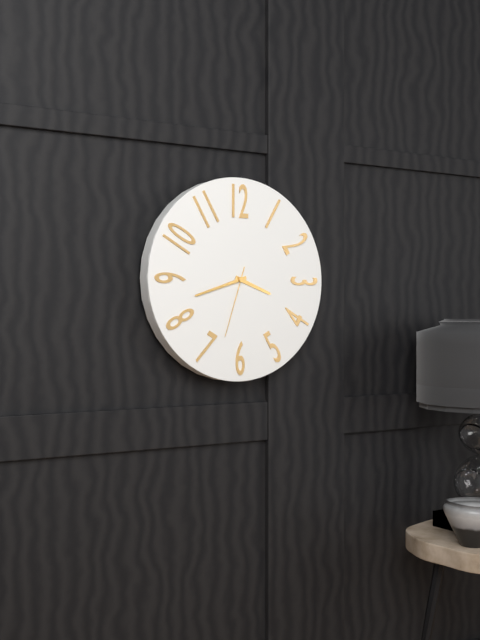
3:42:33
